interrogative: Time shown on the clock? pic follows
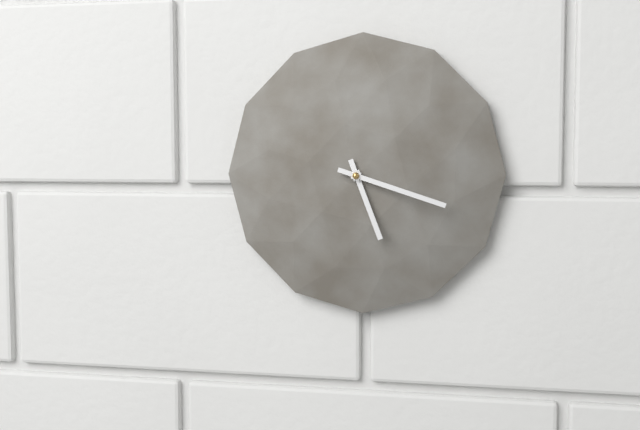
5:18
